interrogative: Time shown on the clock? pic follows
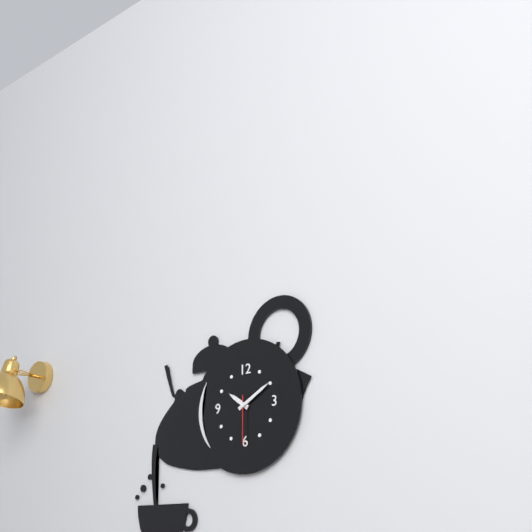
10:10
